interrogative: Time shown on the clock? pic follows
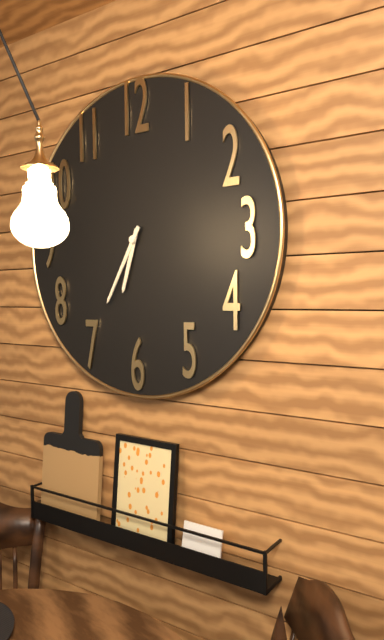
6:35
